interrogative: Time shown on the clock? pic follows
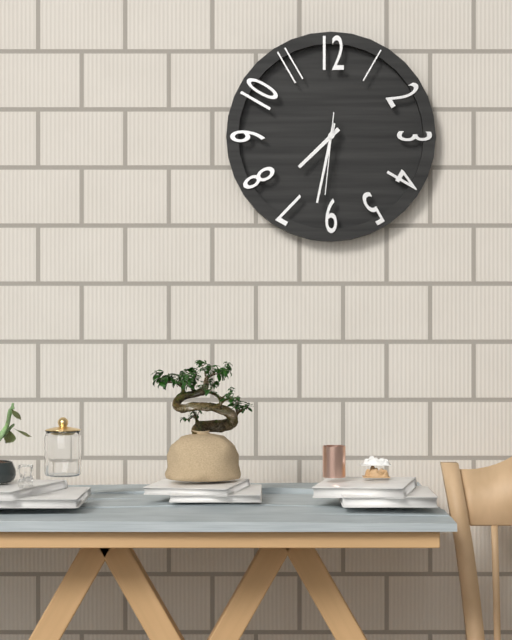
7:32:31
